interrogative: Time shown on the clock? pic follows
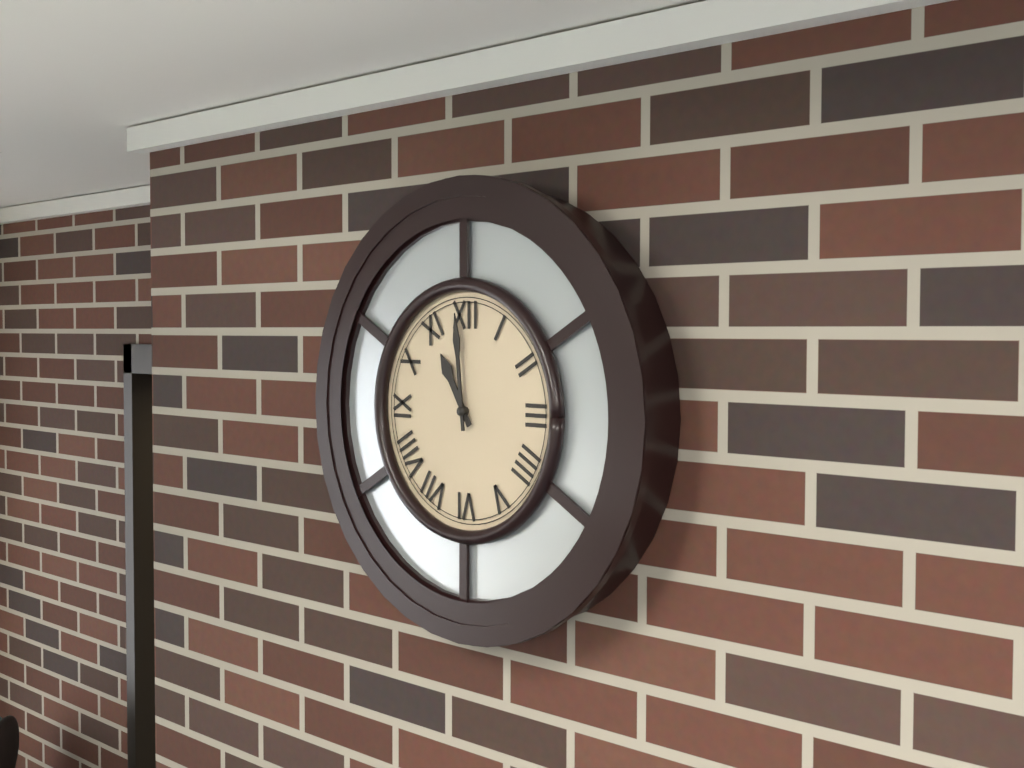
10:59
